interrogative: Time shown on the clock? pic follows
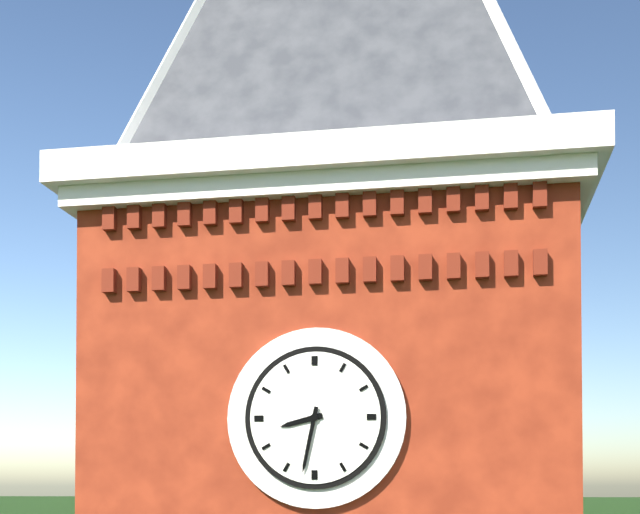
8:32
